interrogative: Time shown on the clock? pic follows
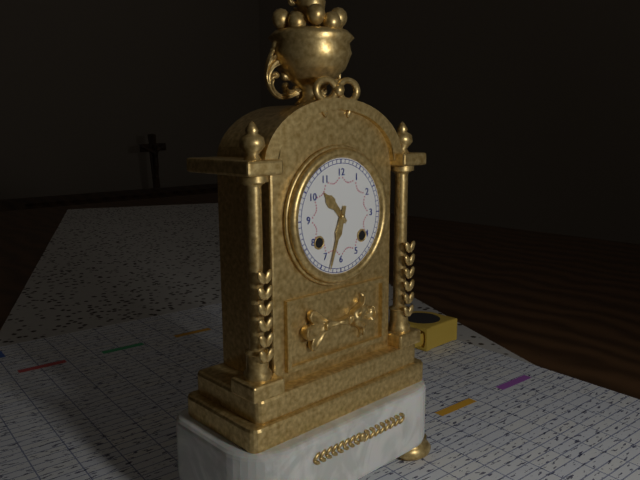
10:33
